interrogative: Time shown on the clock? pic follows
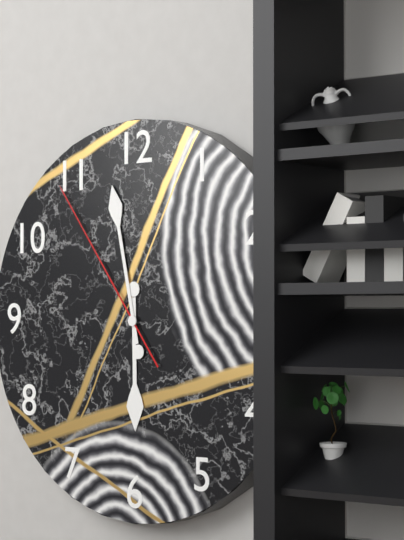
5:58:54
